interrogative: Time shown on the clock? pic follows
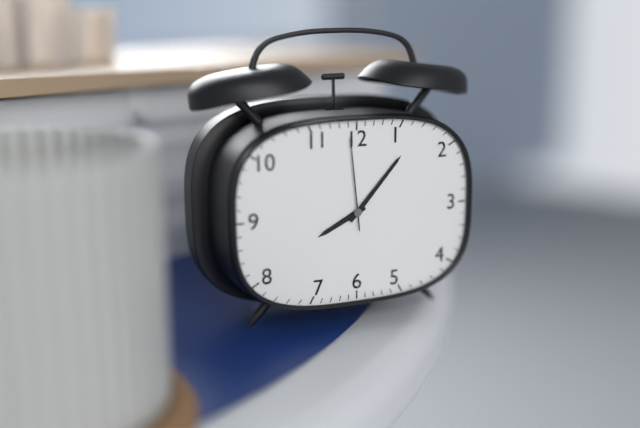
8:07:59
